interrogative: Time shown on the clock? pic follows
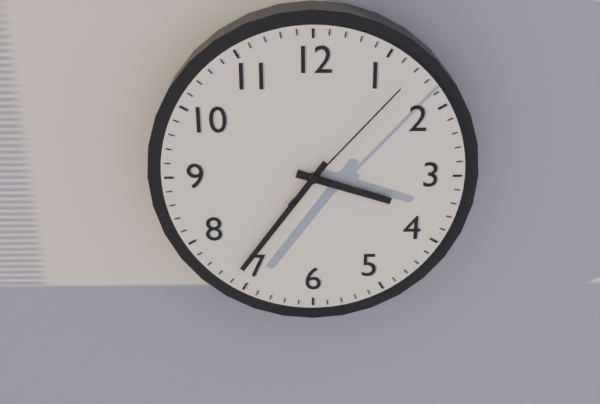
3:36:07
